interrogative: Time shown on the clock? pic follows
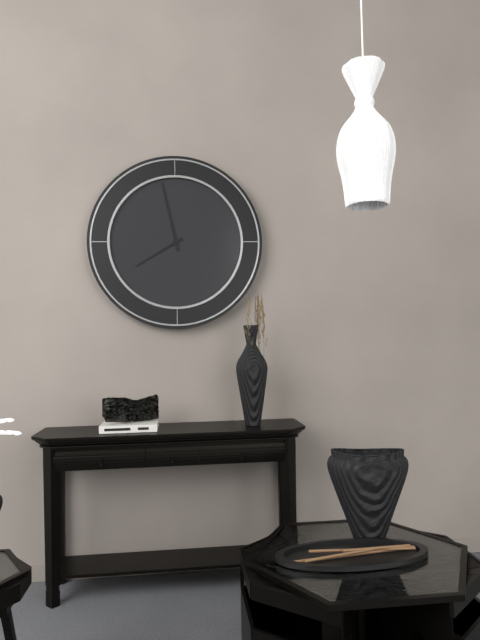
7:58
